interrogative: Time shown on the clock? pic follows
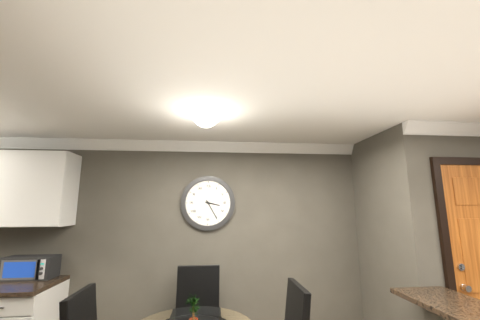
3:25
